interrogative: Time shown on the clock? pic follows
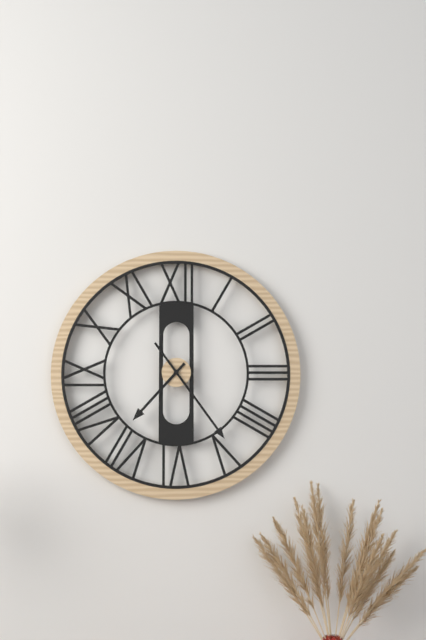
7:24
